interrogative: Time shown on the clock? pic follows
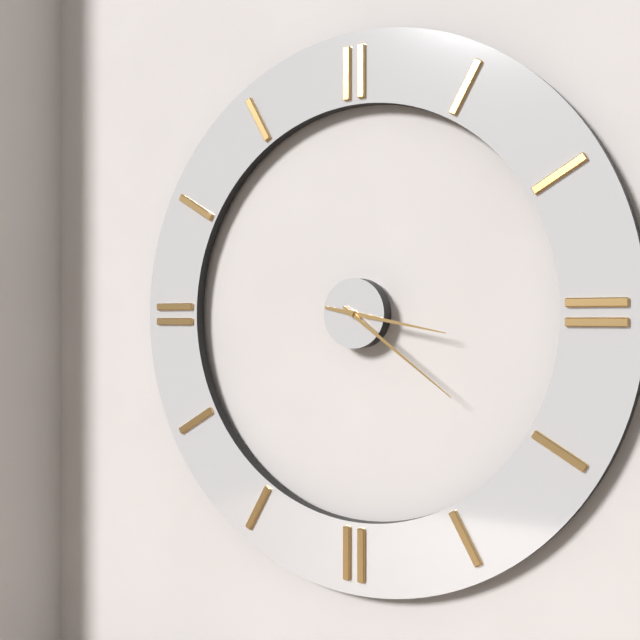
3:21
